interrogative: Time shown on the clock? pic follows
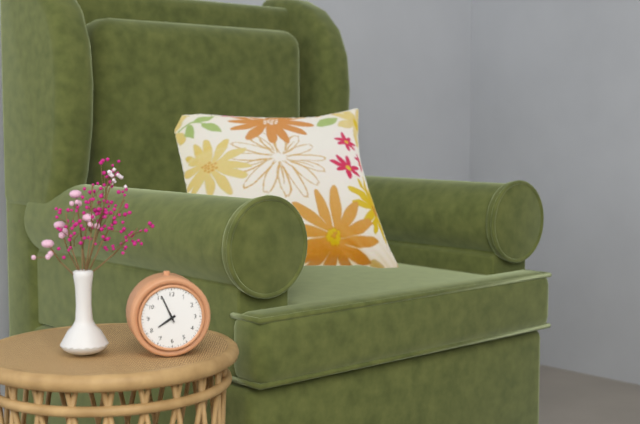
7:56
